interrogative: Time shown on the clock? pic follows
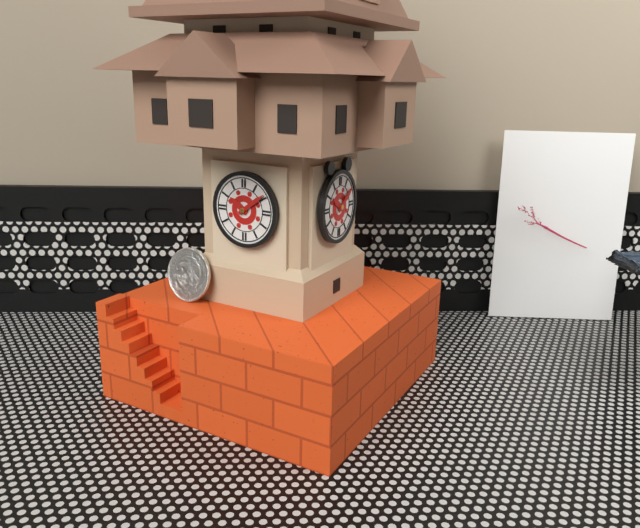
10:09
